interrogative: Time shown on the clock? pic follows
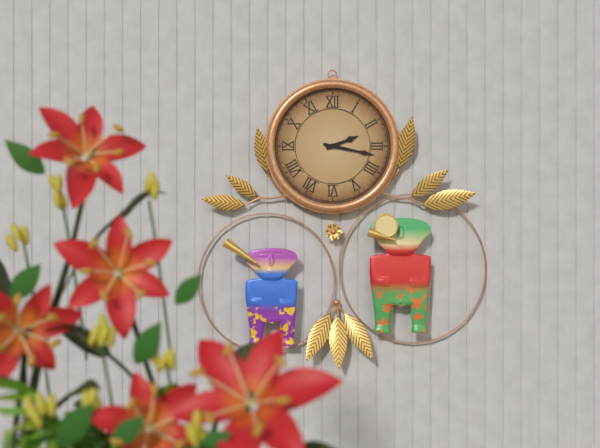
2:17
